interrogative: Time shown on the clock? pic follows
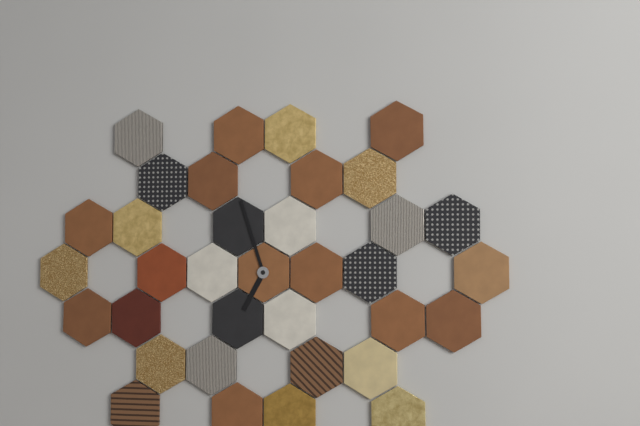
6:57
